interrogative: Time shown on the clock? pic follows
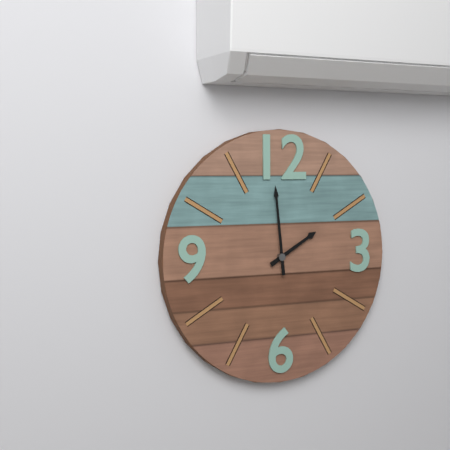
1:59
